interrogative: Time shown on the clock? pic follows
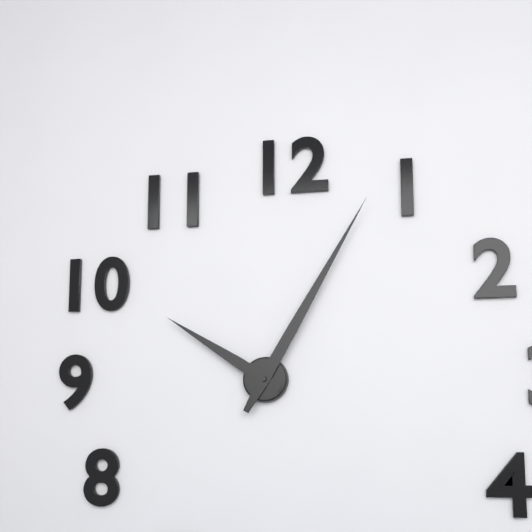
10:05
